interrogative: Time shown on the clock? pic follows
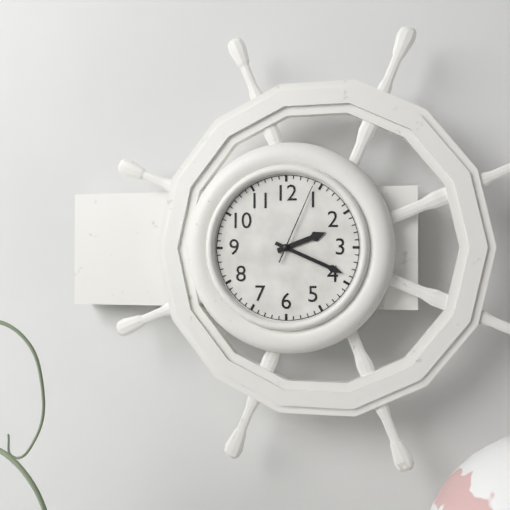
2:19:04
